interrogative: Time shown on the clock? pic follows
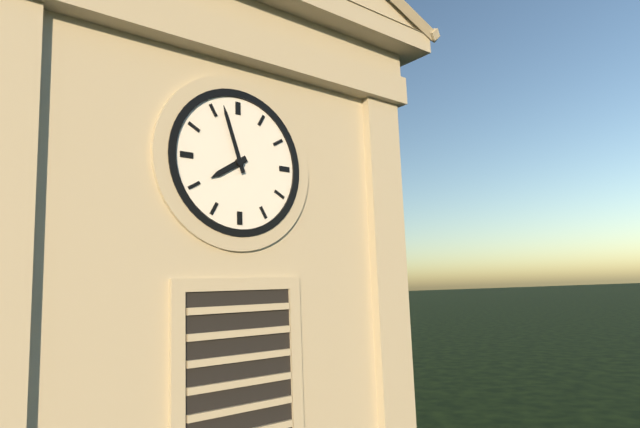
7:57
